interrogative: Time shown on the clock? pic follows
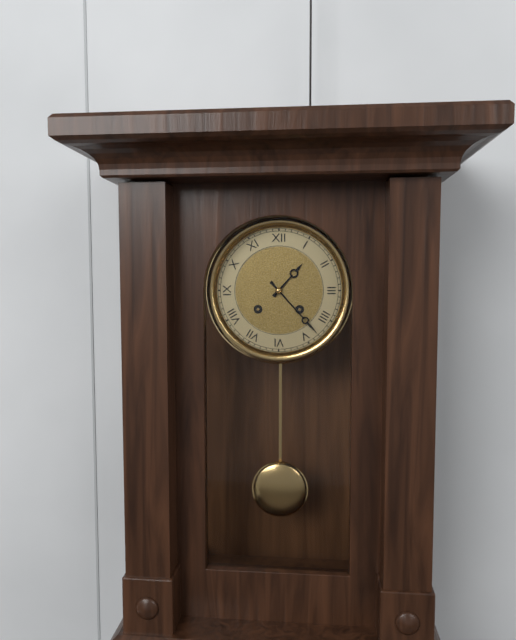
1:23
